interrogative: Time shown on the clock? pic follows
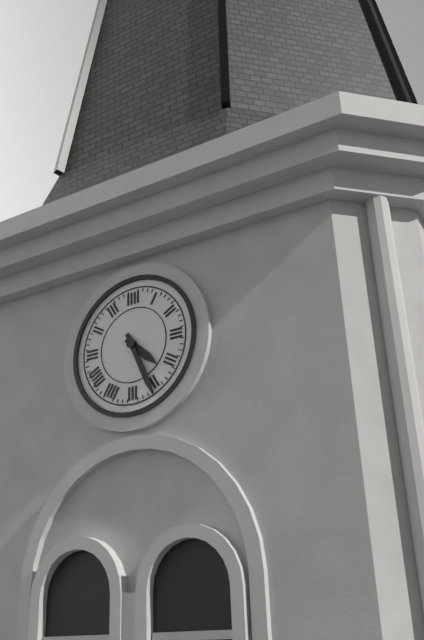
4:26
